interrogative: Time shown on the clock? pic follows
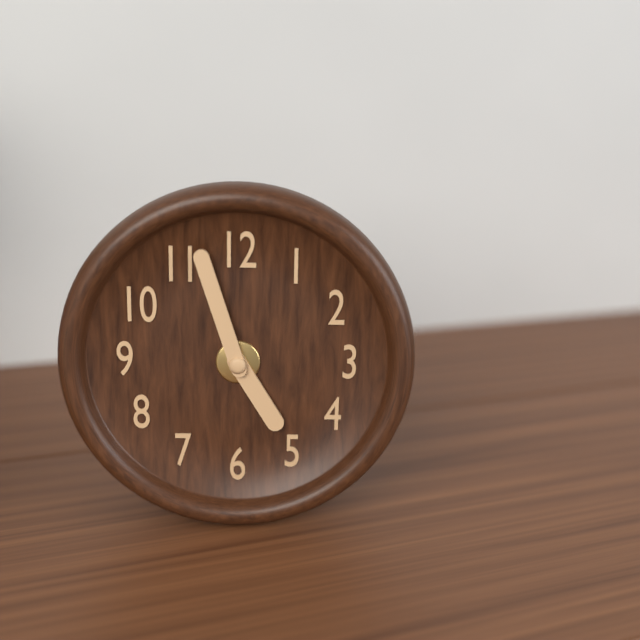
4:57
